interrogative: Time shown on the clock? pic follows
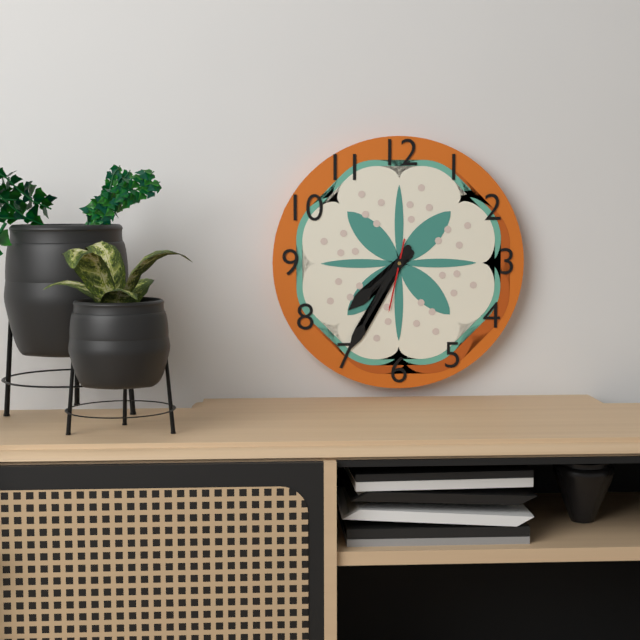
7:35:32
